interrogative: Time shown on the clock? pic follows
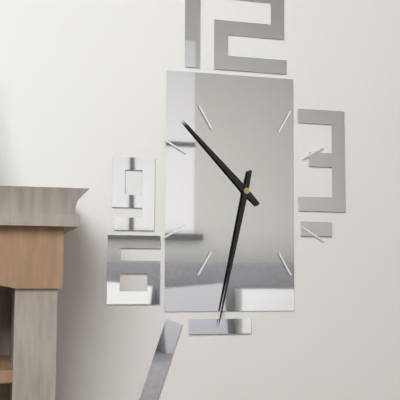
10:32
